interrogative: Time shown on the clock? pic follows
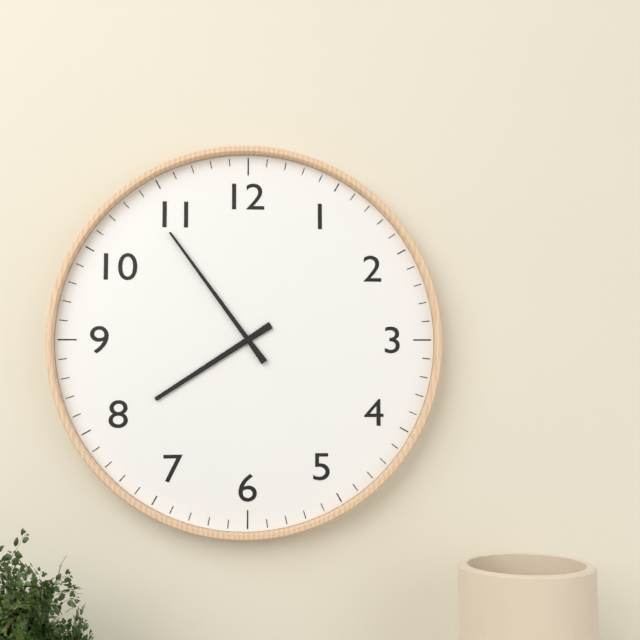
7:54
